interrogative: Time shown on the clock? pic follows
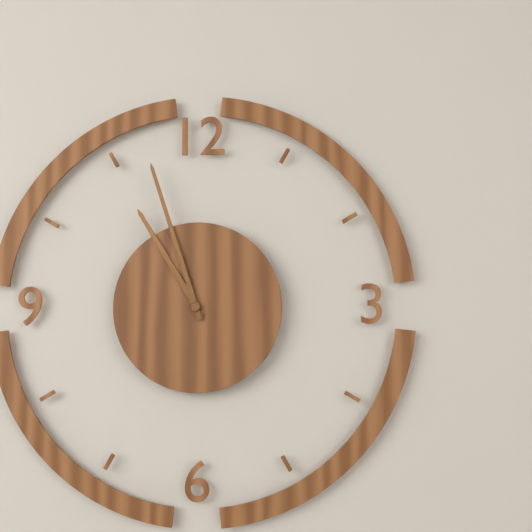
10:57
